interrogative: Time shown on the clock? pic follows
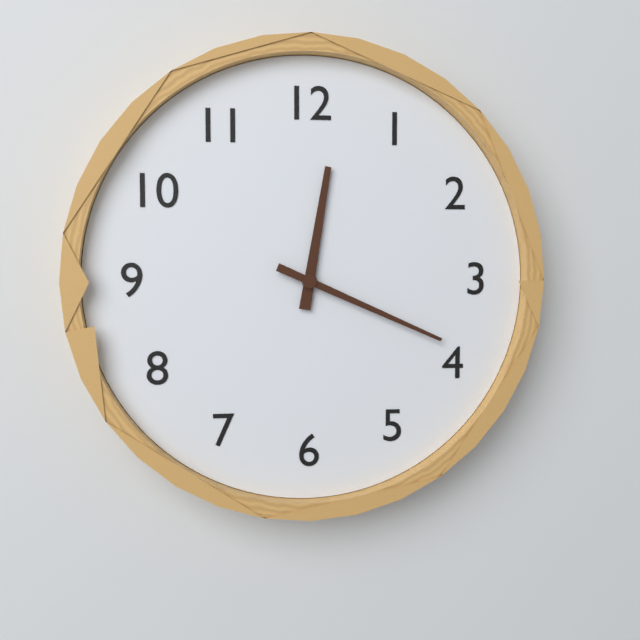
12:19
